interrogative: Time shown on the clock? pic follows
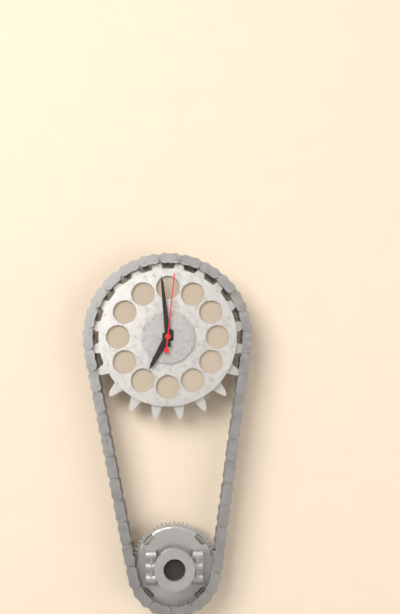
6:59:01
